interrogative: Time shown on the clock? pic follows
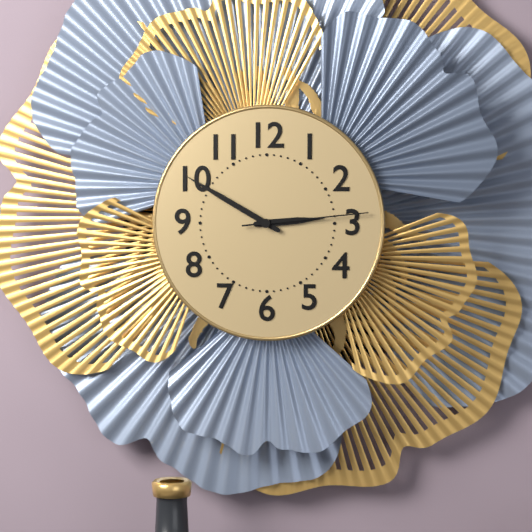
2:50:14
